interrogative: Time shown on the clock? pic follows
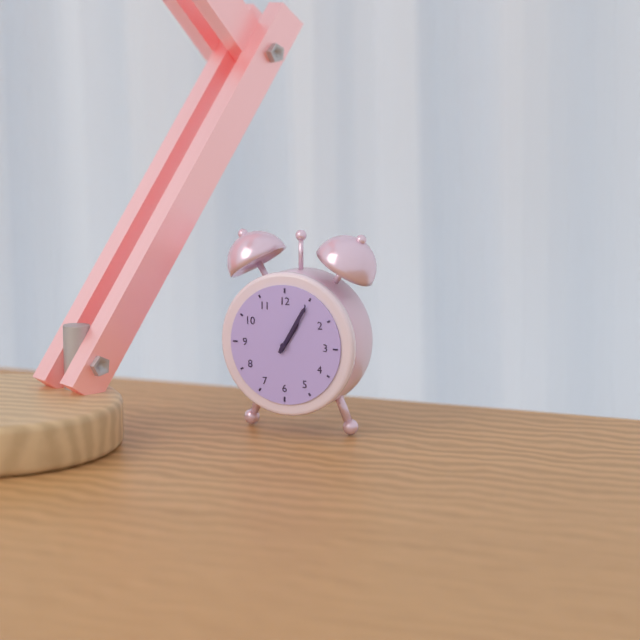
1:05
